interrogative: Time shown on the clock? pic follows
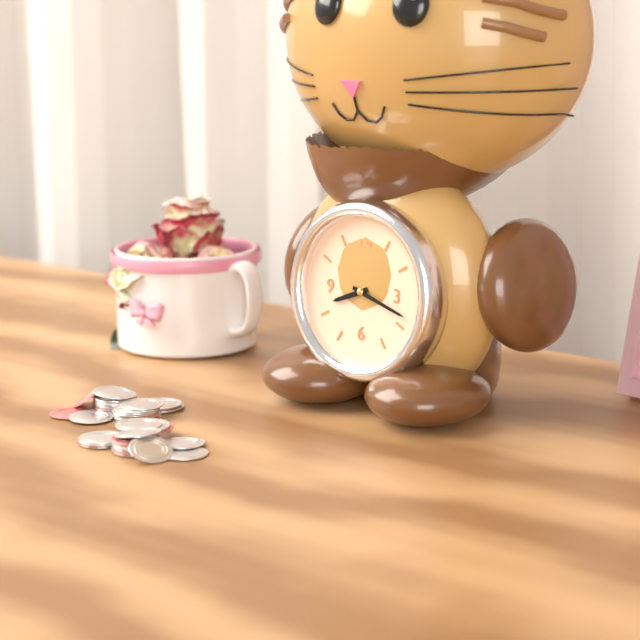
8:18
